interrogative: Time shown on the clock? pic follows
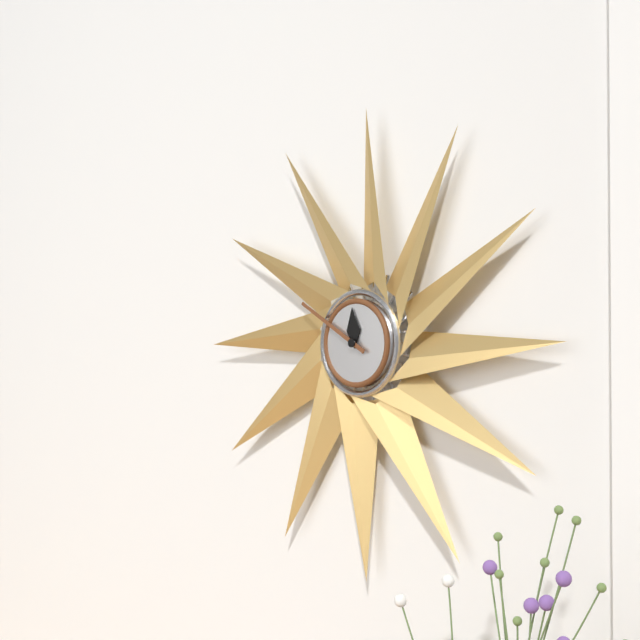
11:50
